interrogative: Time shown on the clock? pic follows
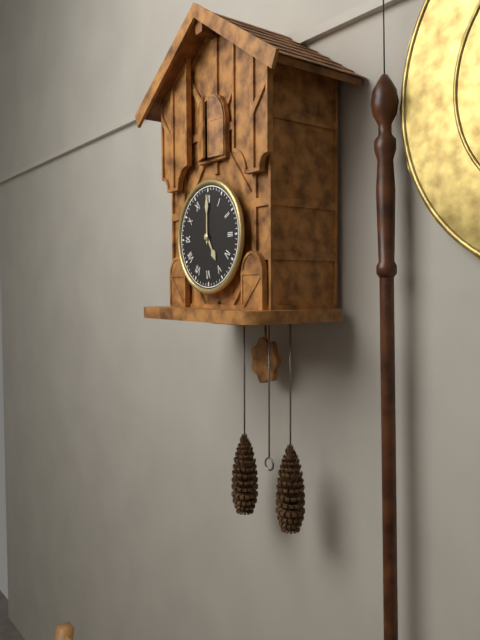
5:00
